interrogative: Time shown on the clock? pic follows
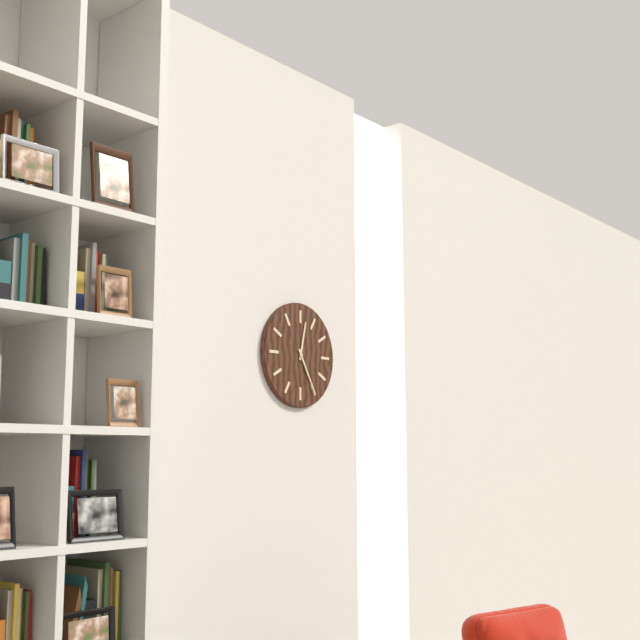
12:25
